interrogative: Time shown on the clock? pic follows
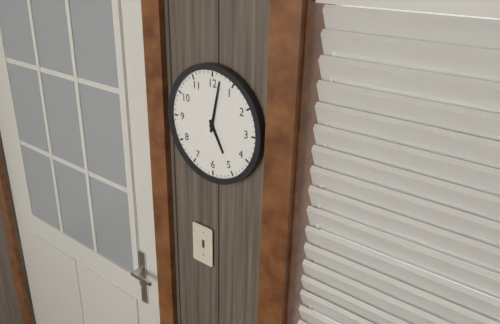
5:02
